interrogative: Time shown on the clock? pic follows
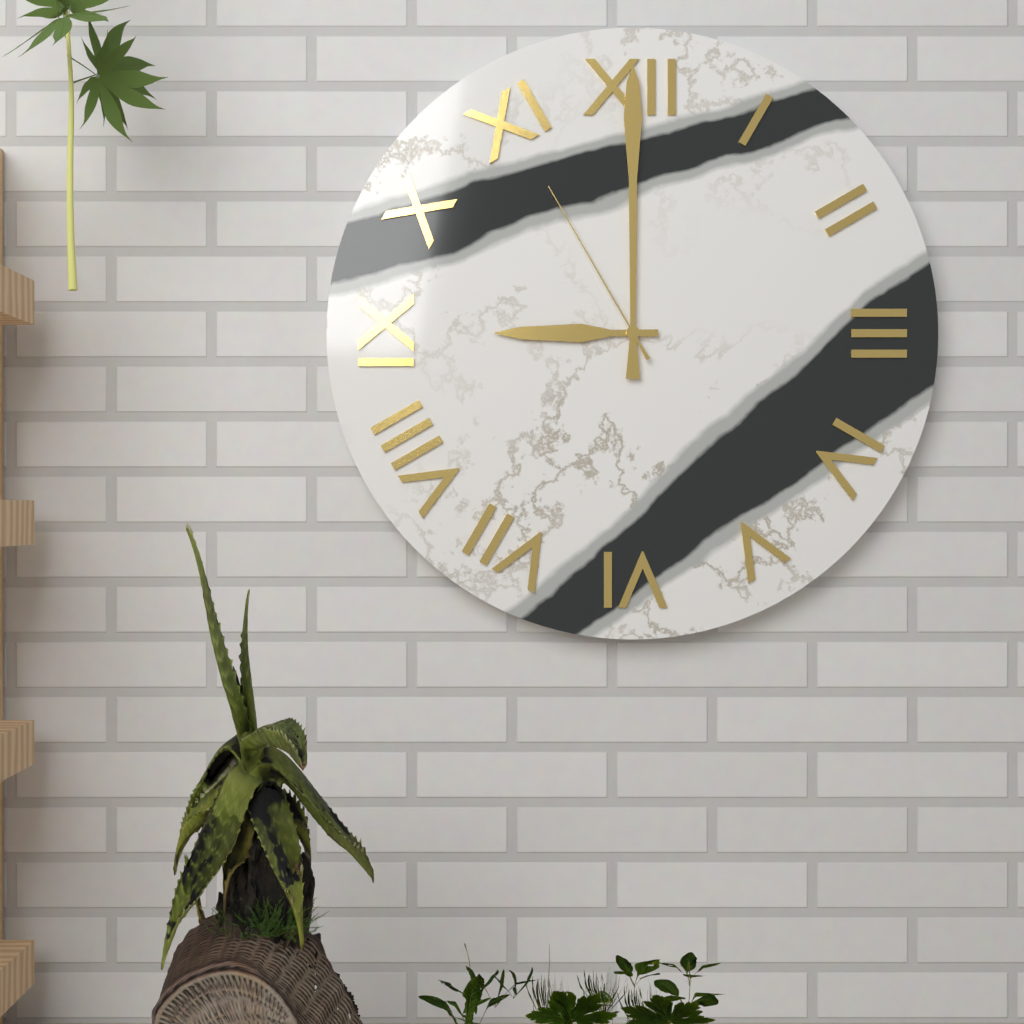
9:00:55
